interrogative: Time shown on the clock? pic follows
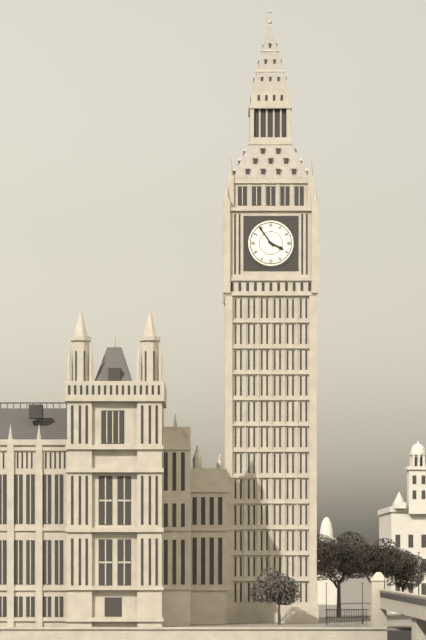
3:54
